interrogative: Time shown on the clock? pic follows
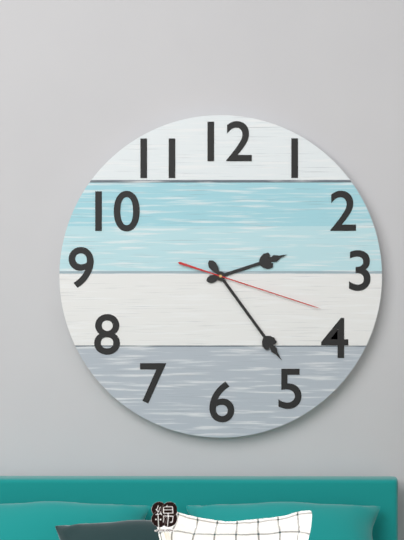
2:24:18
